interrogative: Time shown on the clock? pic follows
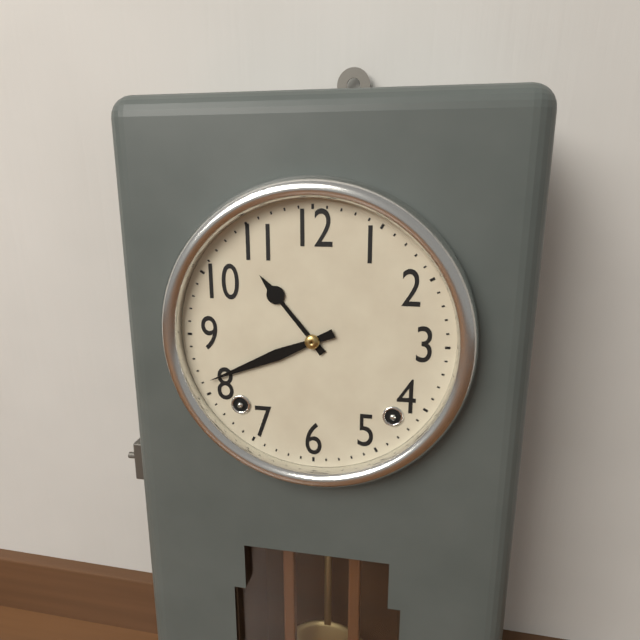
10:41
